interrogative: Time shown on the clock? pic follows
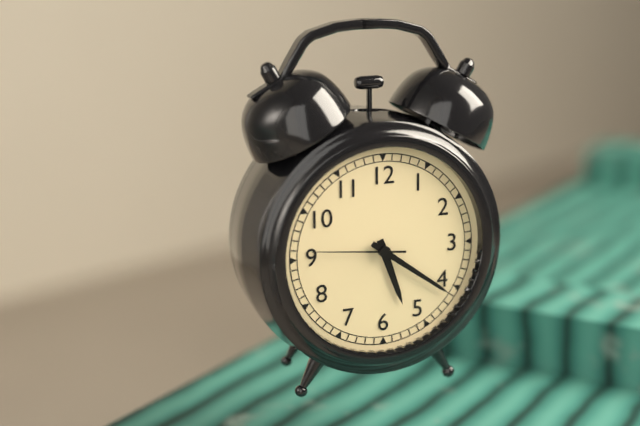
5:21:46
